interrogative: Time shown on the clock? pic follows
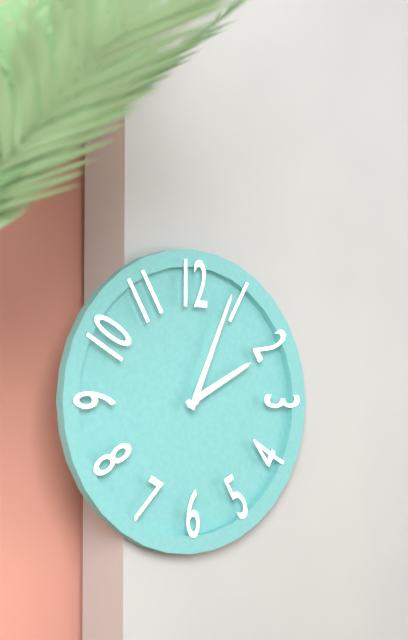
2:04
